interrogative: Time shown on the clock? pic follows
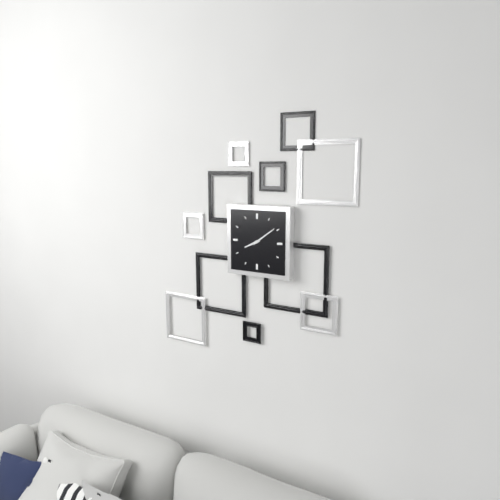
8:09
